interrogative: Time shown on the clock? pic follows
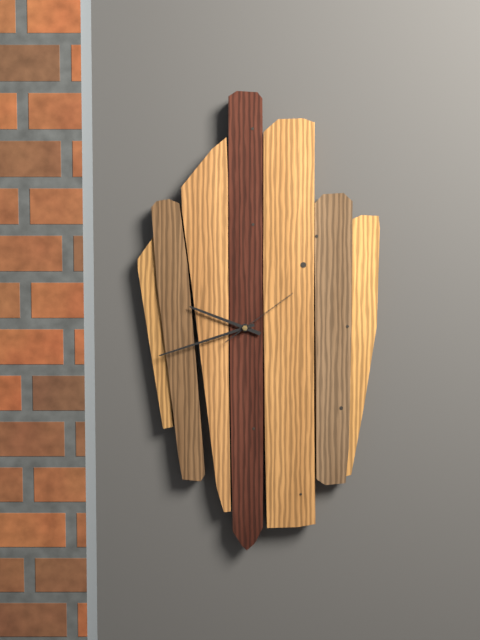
9:42:09
